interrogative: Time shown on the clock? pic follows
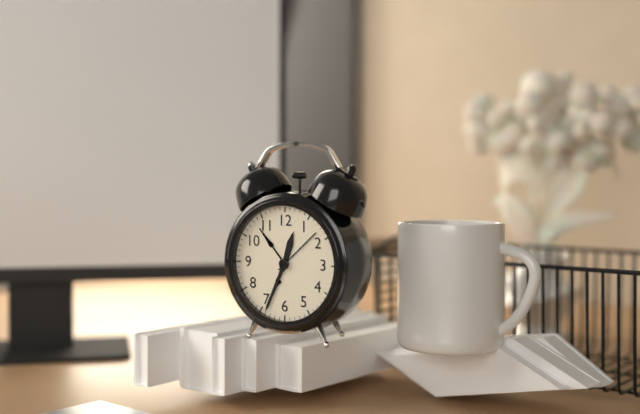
12:34
